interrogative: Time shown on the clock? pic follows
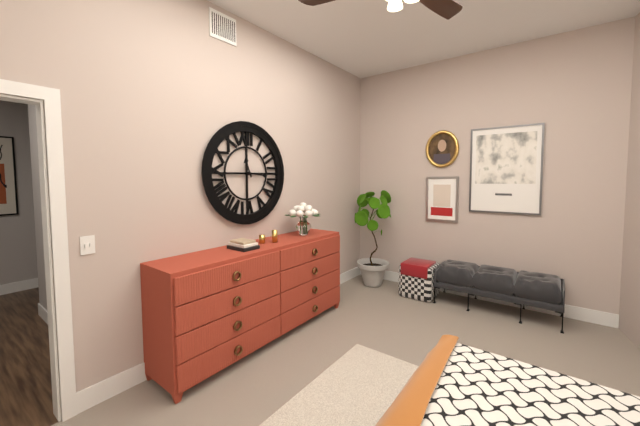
11:16
